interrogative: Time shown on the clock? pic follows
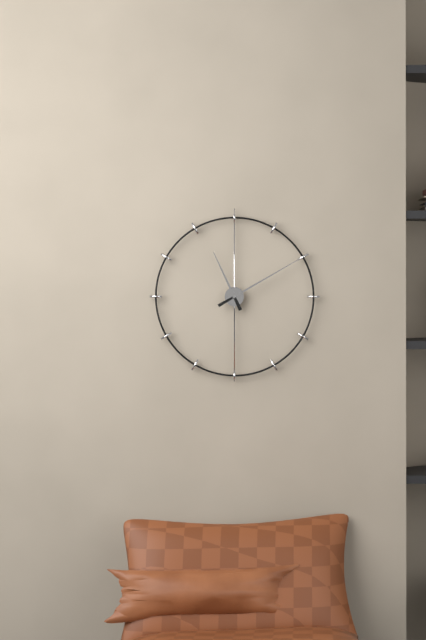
11:10
